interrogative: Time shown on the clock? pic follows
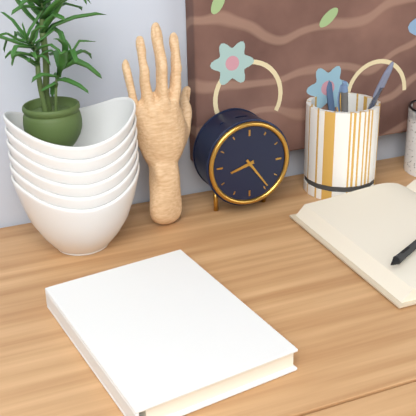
8:24
